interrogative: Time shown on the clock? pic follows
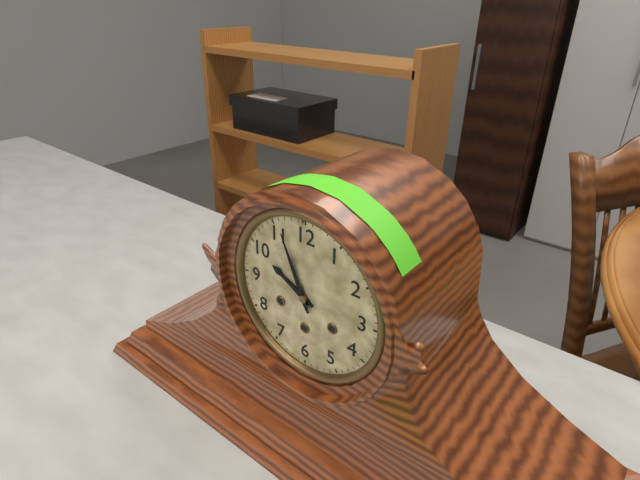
9:56
